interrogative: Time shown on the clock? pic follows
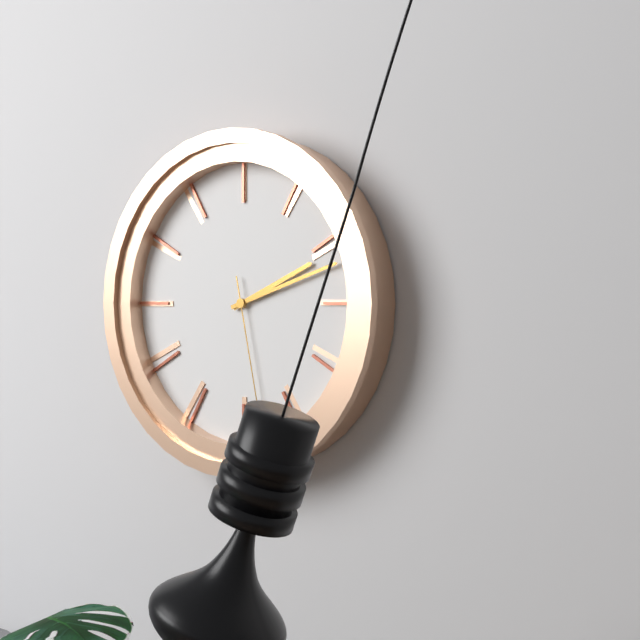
2:12:28
